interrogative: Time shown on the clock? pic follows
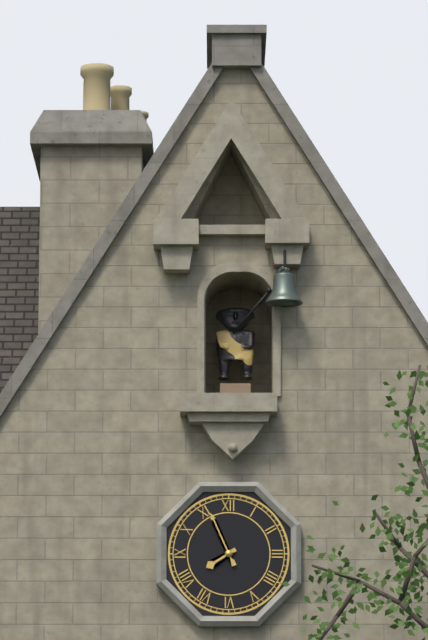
7:56
